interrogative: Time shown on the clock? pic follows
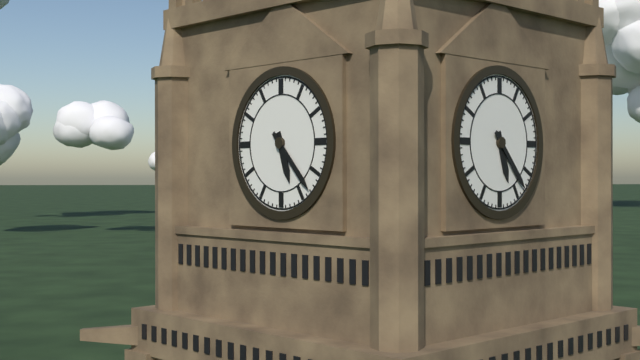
5:23
